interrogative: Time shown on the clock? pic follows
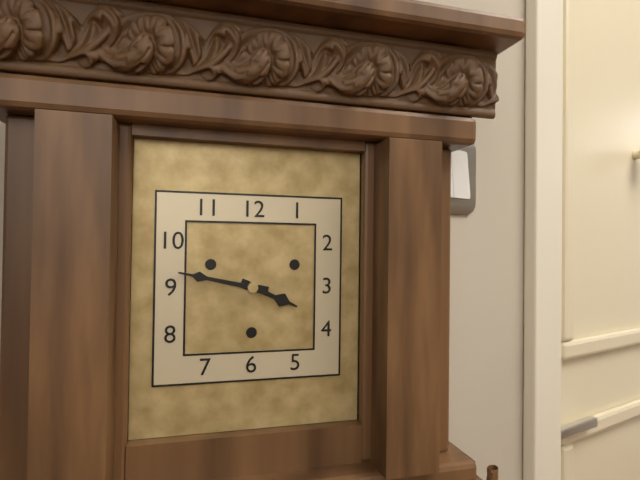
3:47
